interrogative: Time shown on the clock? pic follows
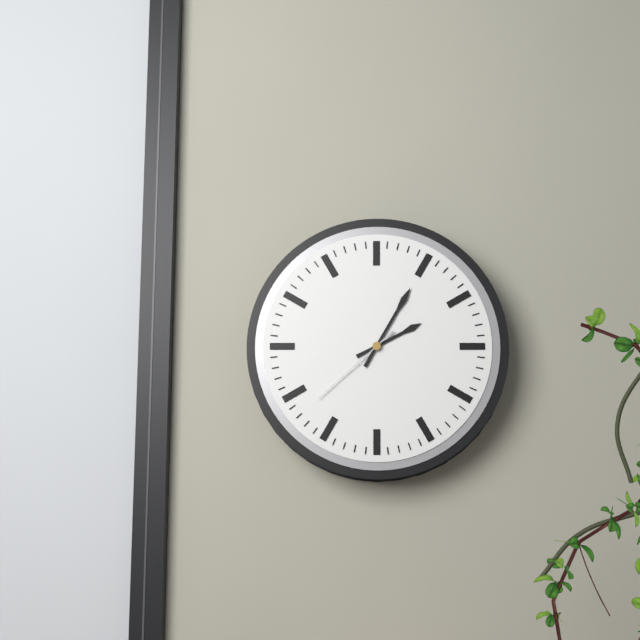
2:05:38
